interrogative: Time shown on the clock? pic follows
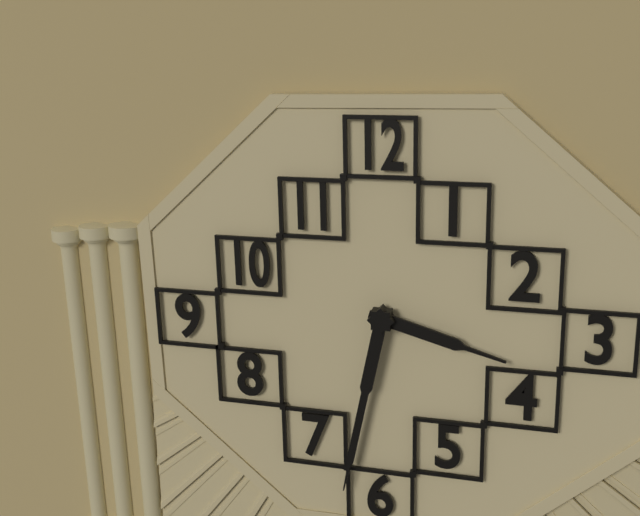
3:32
